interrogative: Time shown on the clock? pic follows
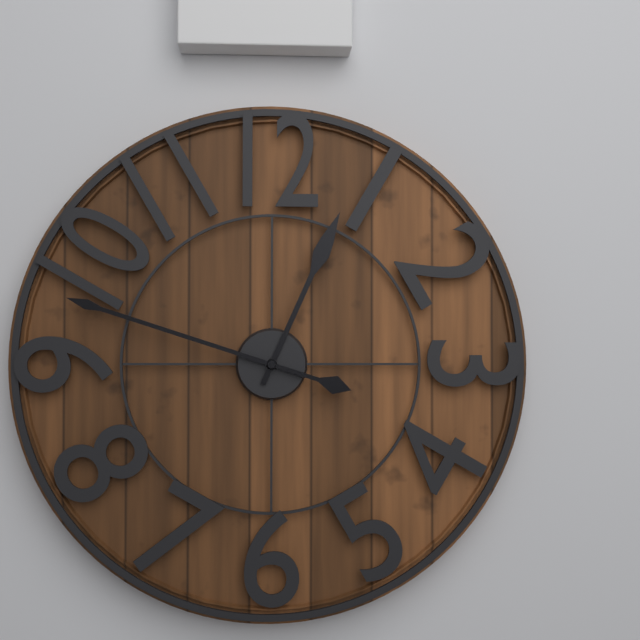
12:48
